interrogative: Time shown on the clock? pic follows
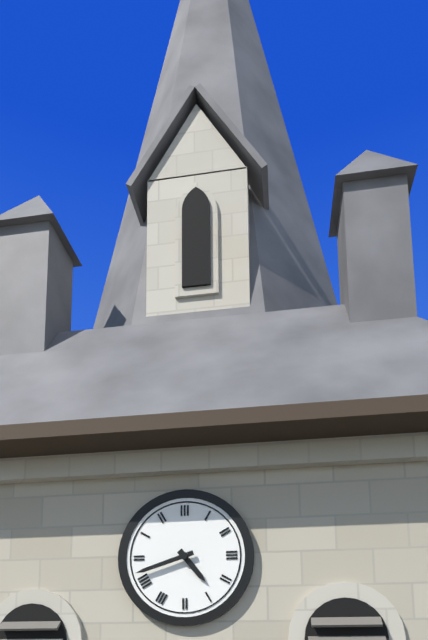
4:42
